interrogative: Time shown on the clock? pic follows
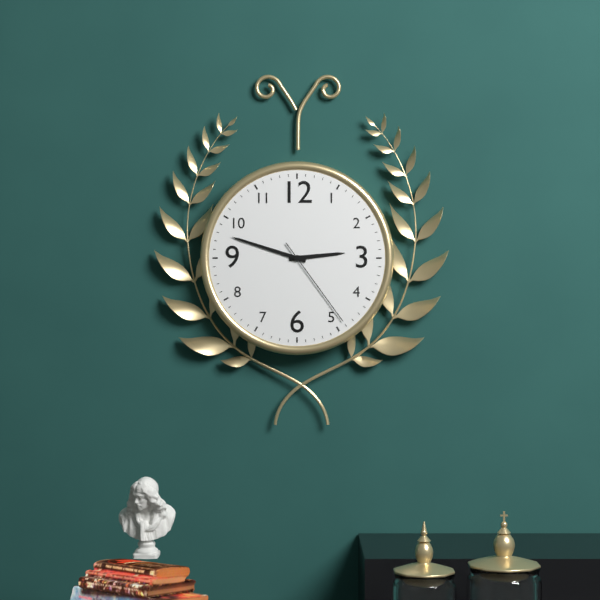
2:48:24
